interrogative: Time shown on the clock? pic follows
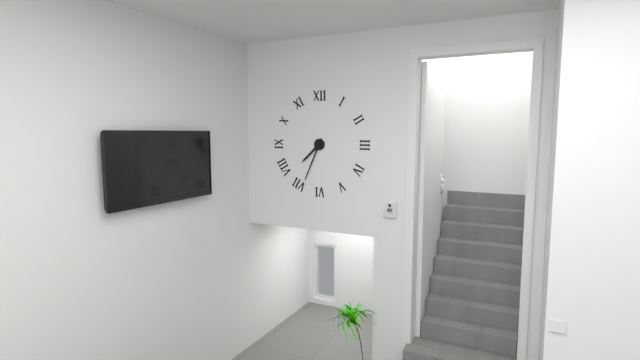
7:34
